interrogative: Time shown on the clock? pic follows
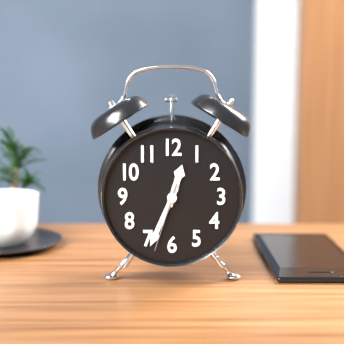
12:34:33
